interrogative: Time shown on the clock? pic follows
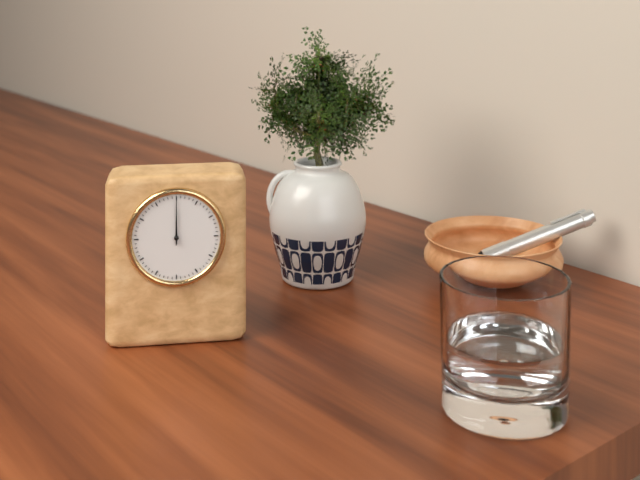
12:00
